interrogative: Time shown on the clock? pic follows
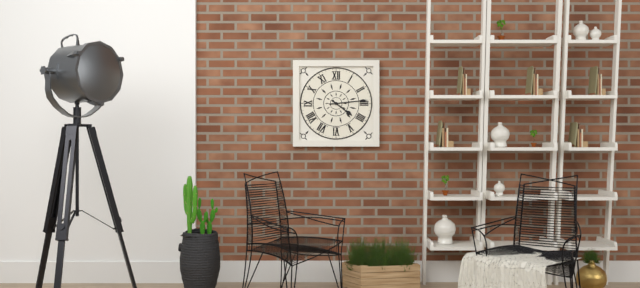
4:14
